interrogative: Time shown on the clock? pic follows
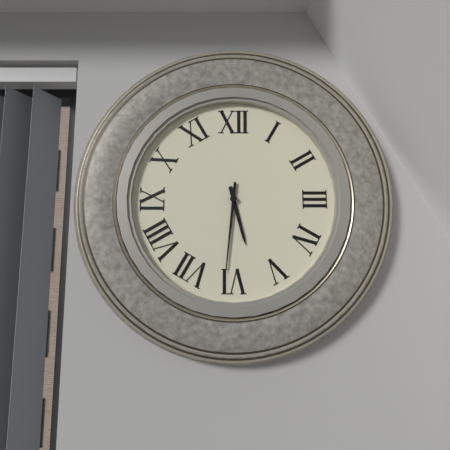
5:31
